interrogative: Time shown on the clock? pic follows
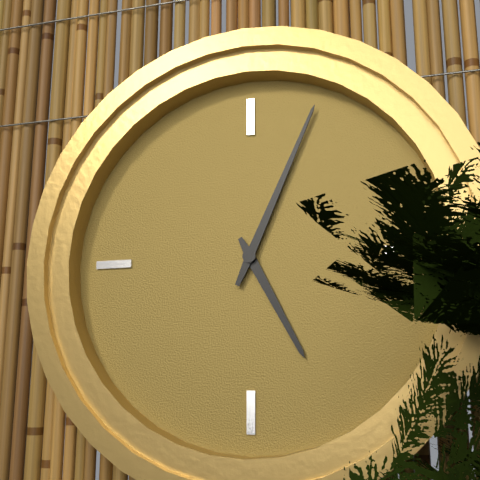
5:04
